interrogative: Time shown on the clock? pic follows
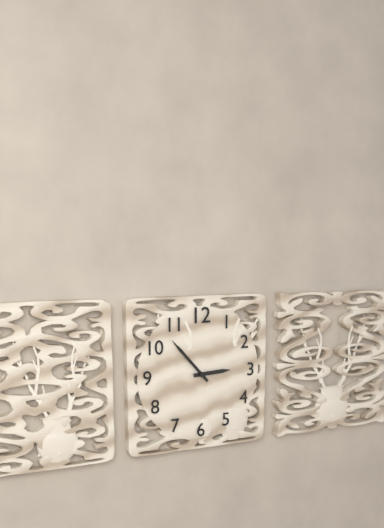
2:53
